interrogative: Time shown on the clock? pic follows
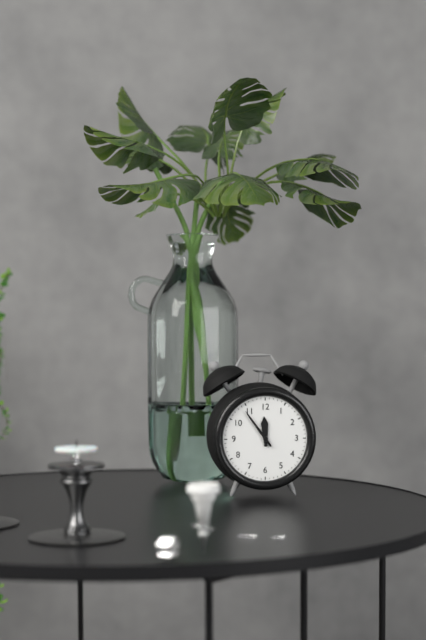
11:54
